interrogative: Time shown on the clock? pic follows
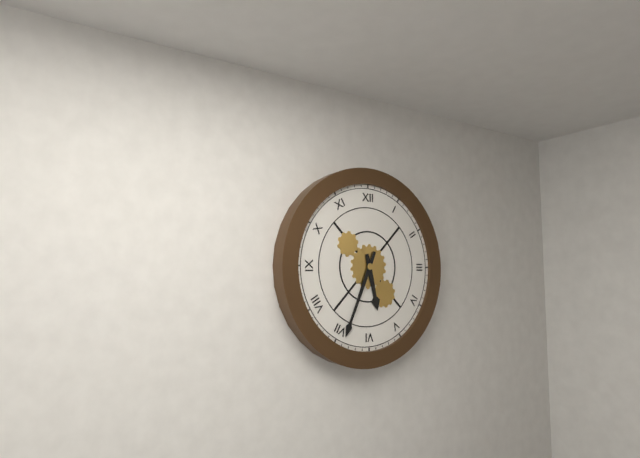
5:34
